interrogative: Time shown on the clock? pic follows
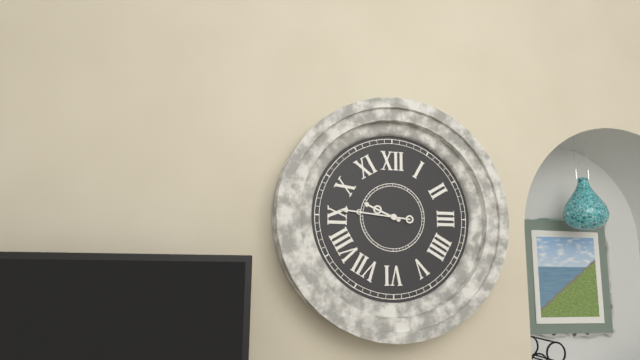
9:46
